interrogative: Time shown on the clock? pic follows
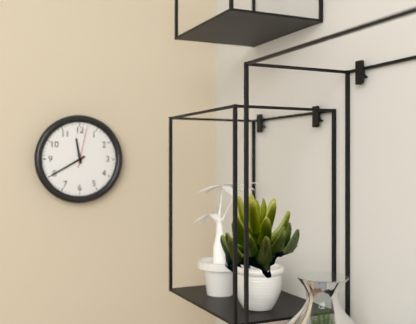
11:40
